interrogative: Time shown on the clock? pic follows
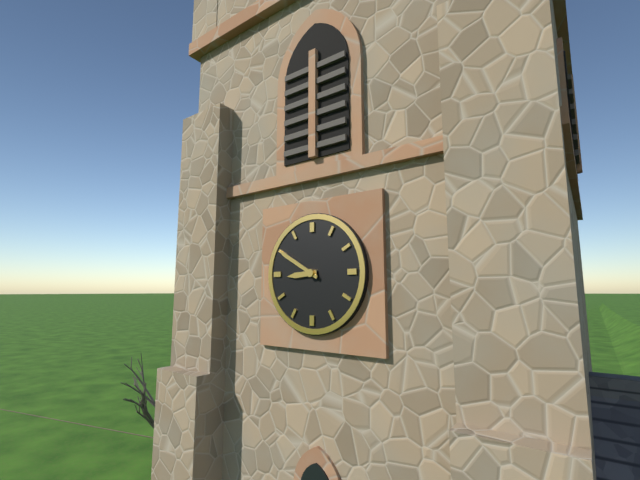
8:50
